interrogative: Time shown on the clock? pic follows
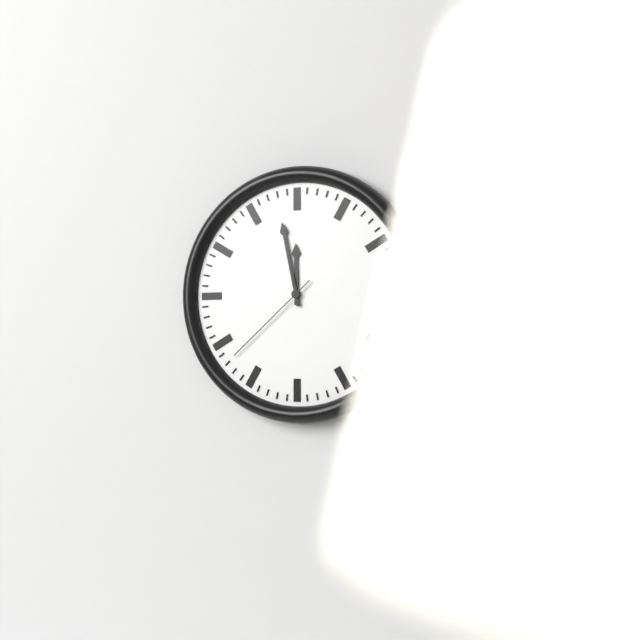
11:58:38
